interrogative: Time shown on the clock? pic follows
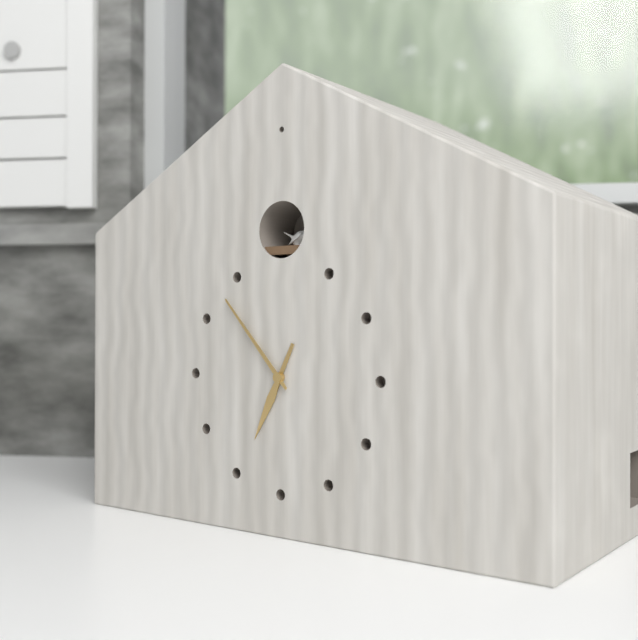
6:53
